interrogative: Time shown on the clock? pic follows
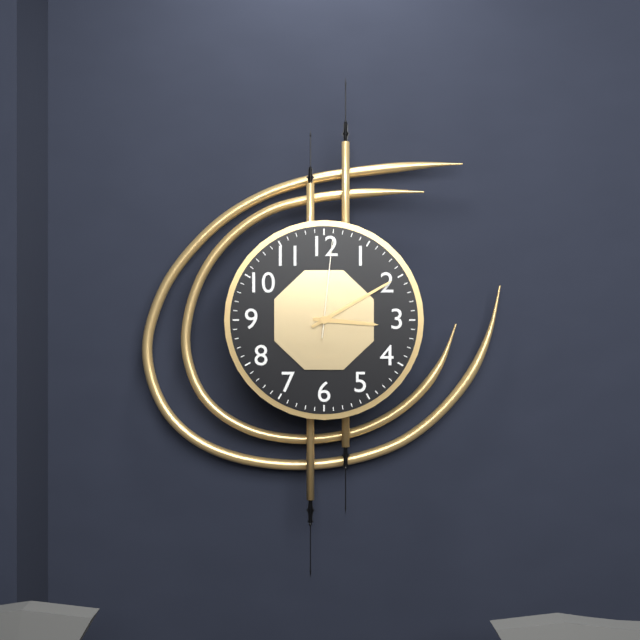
3:10:01
